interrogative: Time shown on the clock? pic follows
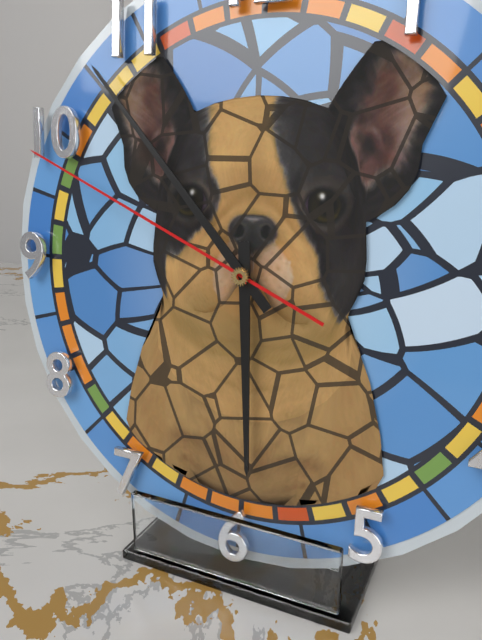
5:53:49
